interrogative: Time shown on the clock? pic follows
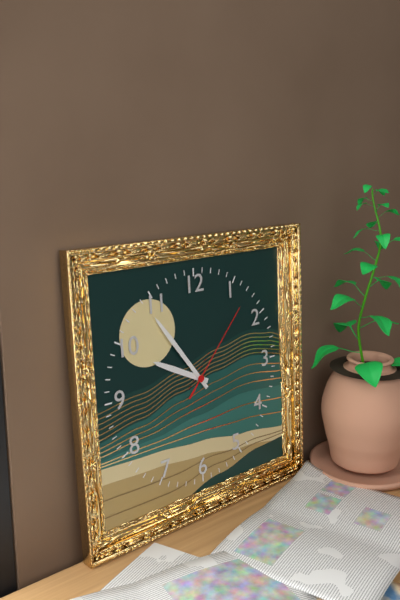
9:54:07
